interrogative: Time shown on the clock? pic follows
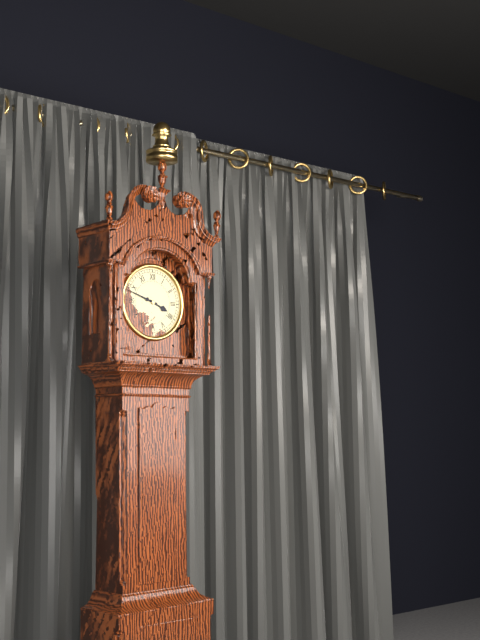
3:48
